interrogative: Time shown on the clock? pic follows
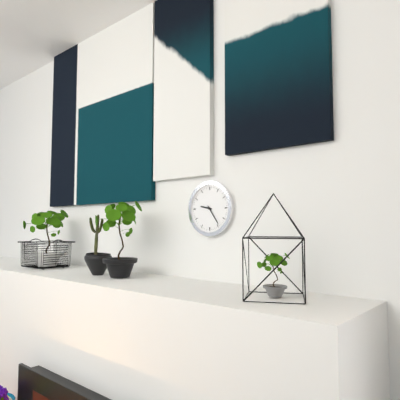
9:24
